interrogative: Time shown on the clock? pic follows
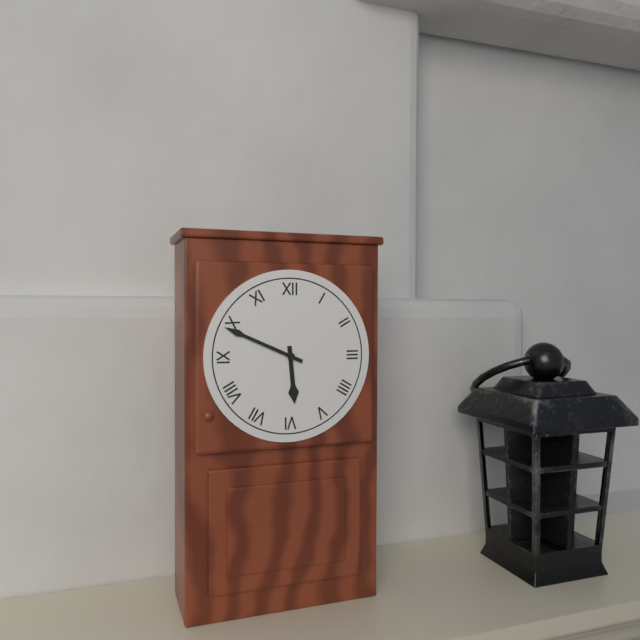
5:49
